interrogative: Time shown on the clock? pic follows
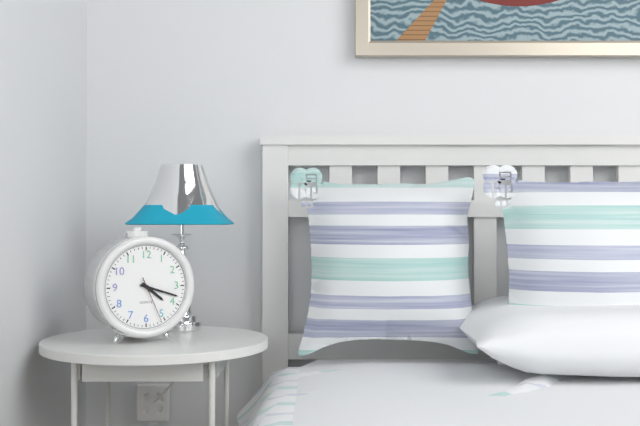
4:18
